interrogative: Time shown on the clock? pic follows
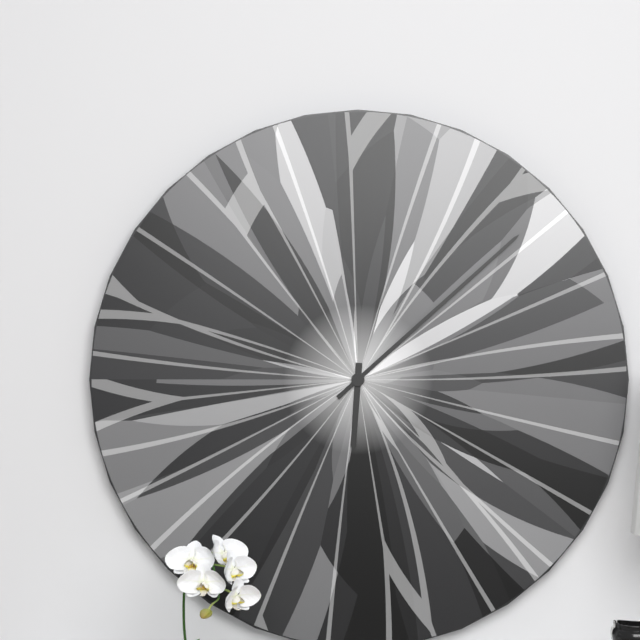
6:08
